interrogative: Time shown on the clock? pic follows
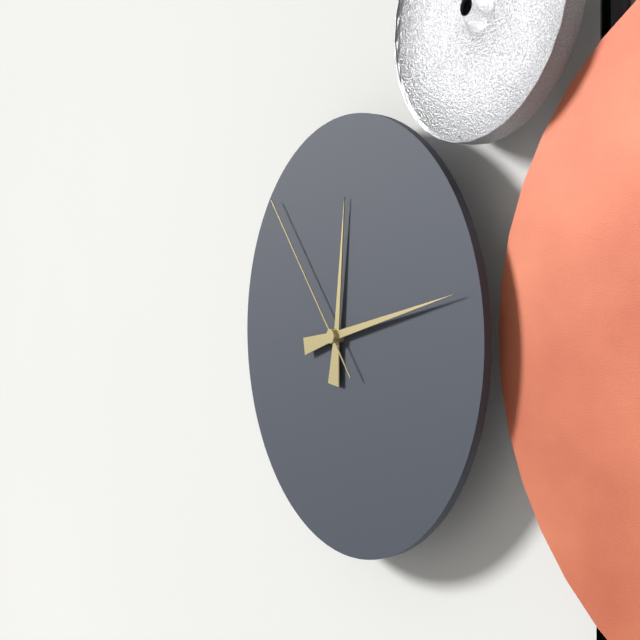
12:13:53
